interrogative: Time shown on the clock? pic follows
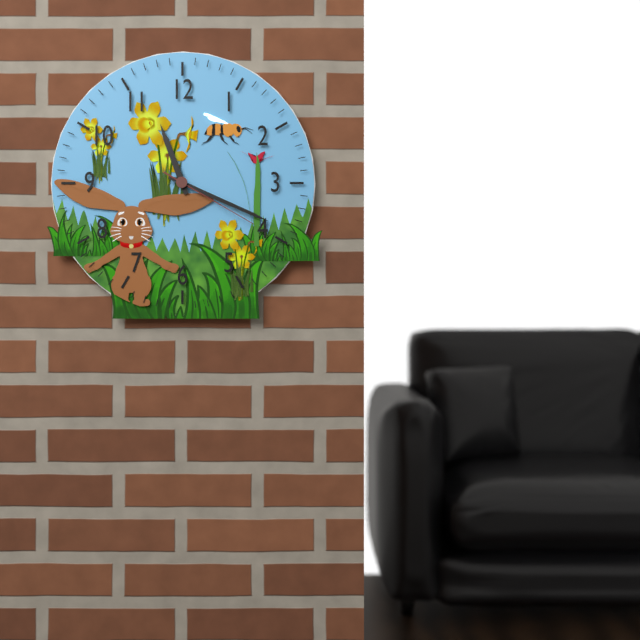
11:19:20
